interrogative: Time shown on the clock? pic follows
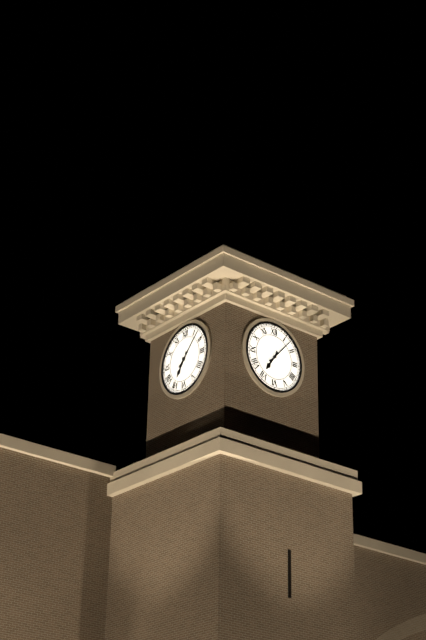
7:07
